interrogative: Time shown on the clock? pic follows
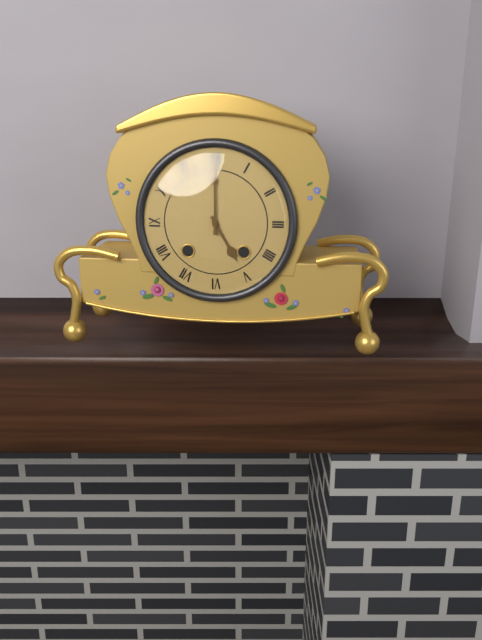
5:00
